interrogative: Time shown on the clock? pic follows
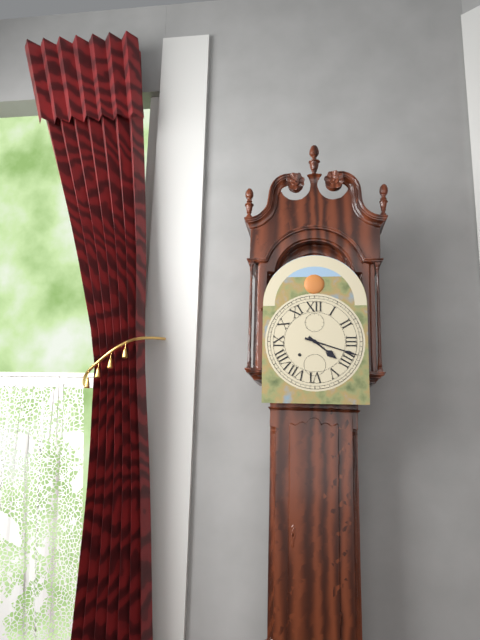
4:18
